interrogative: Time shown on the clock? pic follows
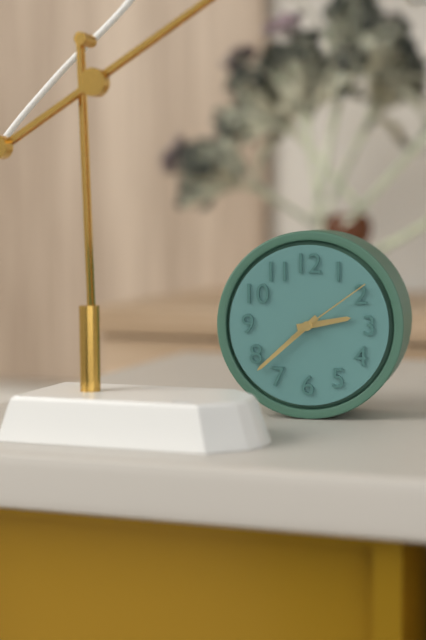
2:38:09
